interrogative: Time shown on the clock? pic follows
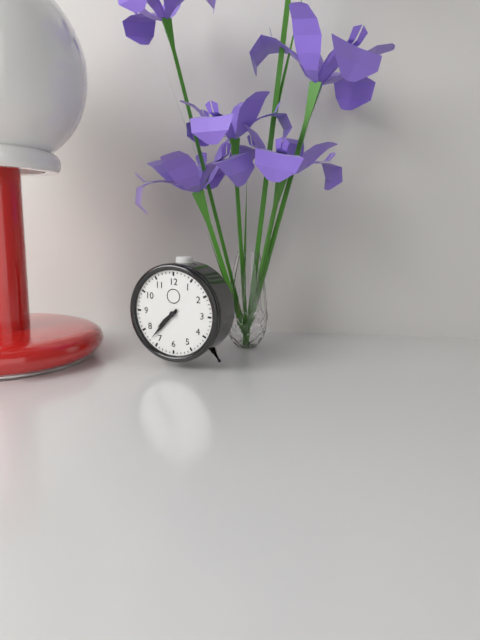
7:37
